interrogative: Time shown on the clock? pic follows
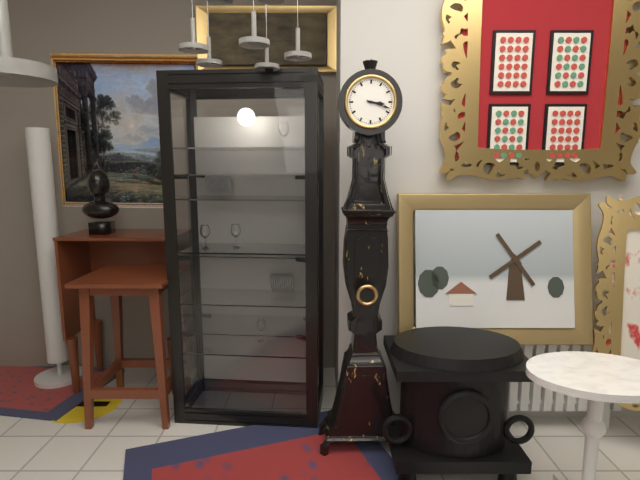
3:18
